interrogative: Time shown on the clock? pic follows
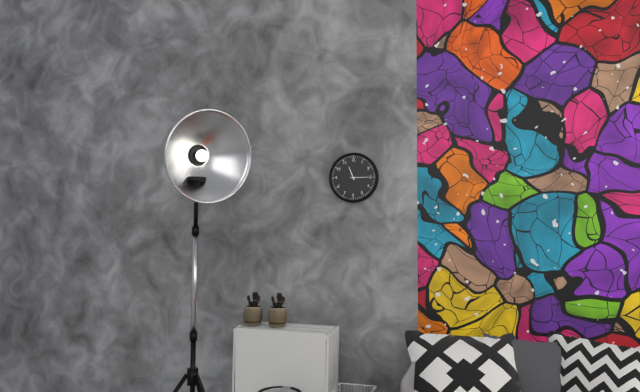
11:15
